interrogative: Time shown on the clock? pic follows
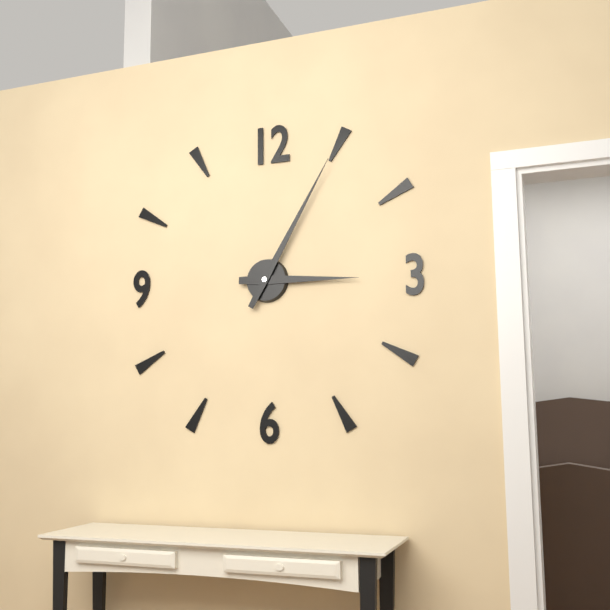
3:05
